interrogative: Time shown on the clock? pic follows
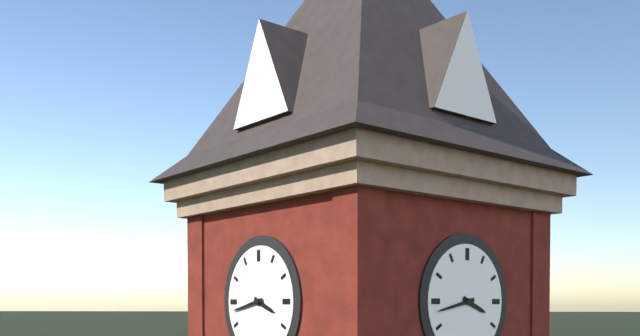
3:43
